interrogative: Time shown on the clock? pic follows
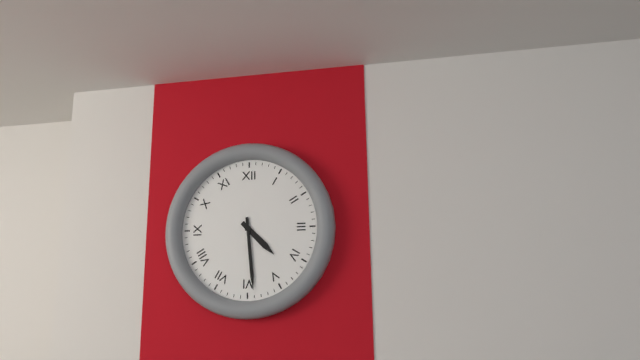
4:29
